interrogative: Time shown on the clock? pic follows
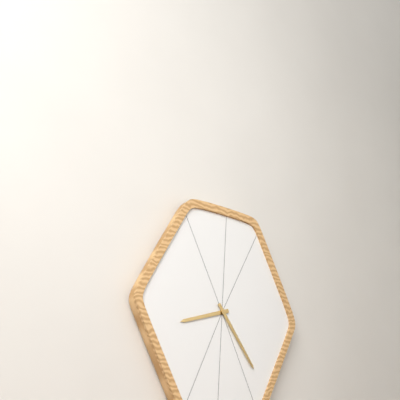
8:24
